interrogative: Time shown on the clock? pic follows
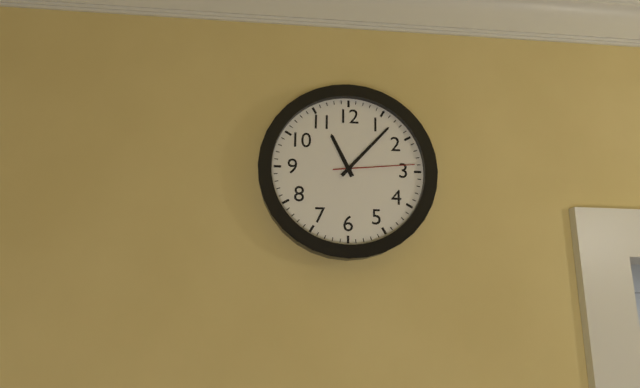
11:07:14
